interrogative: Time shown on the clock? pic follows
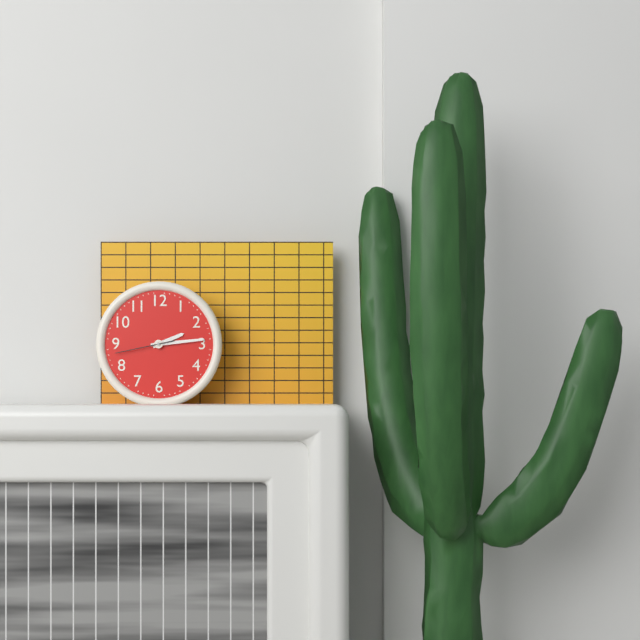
2:14:43
